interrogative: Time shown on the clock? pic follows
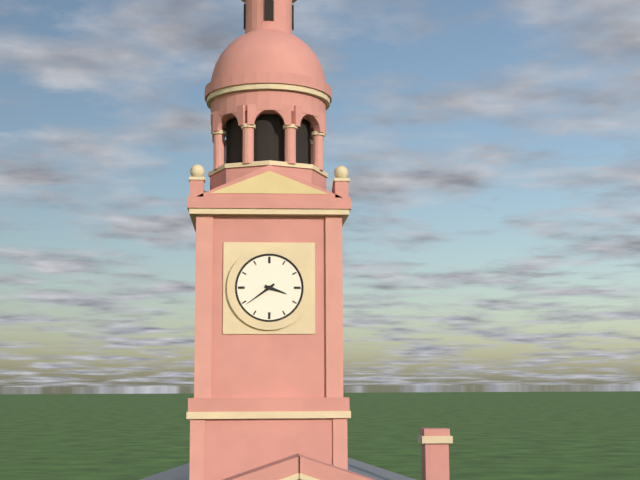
3:39
